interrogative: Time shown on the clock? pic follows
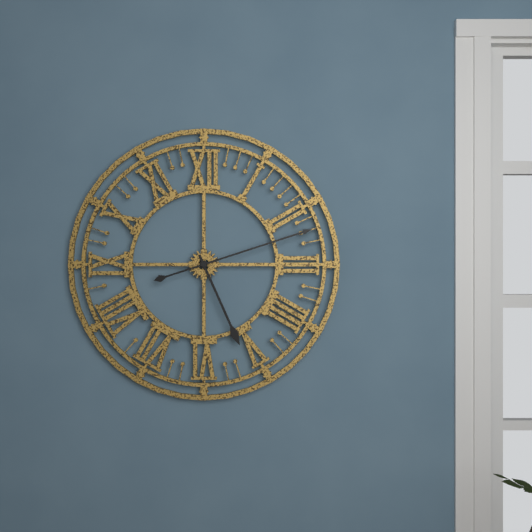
5:12
